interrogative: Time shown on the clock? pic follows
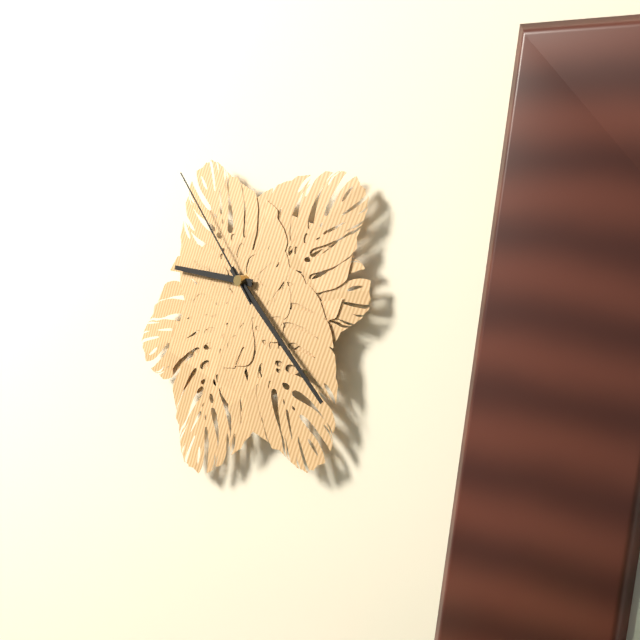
9:23:54
